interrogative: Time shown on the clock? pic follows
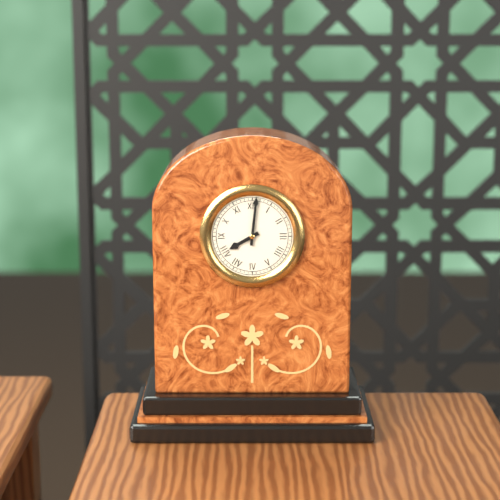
8:01
